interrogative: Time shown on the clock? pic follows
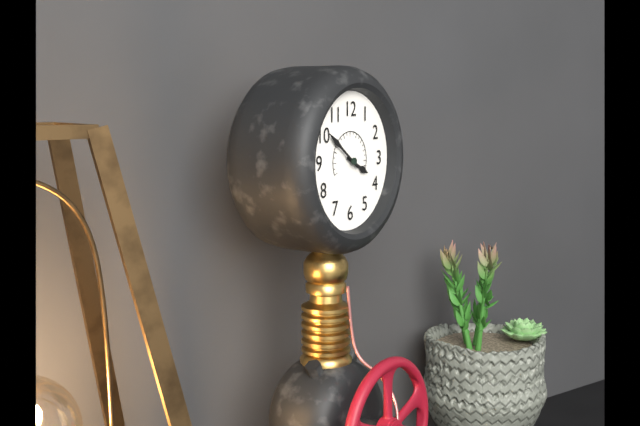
3:51
